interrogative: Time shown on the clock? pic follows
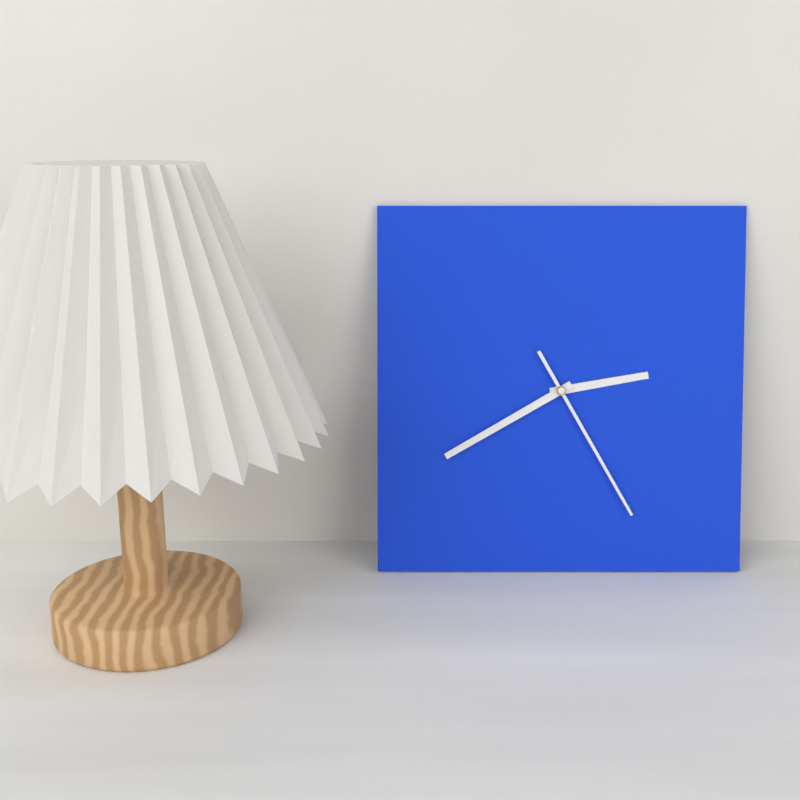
2:40:25
